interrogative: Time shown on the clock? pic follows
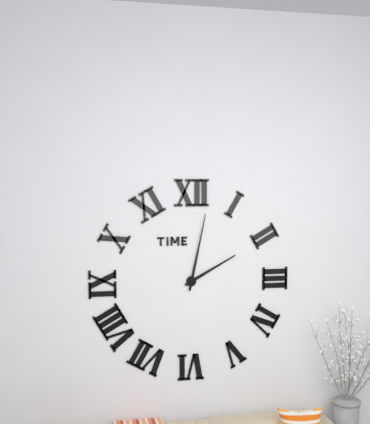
2:02
